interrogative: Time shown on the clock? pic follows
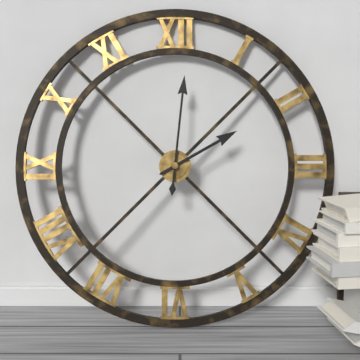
2:01
